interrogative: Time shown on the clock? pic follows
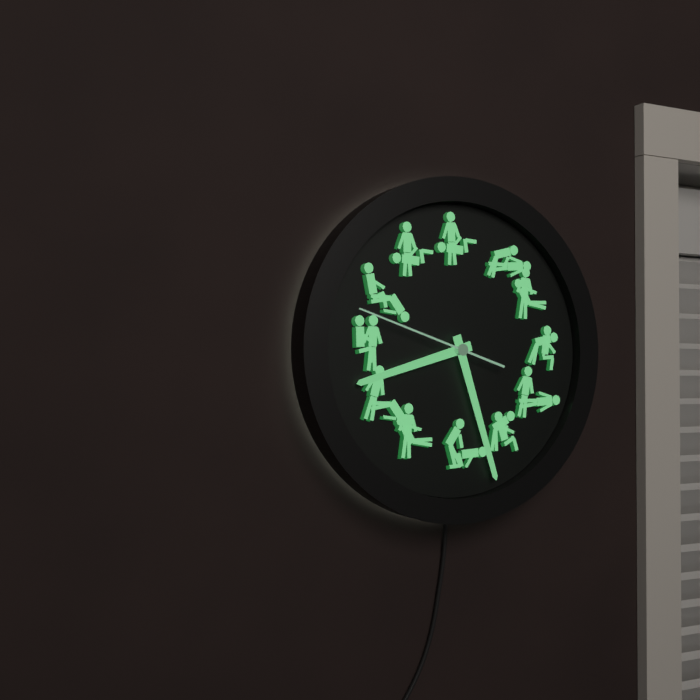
8:27:48
